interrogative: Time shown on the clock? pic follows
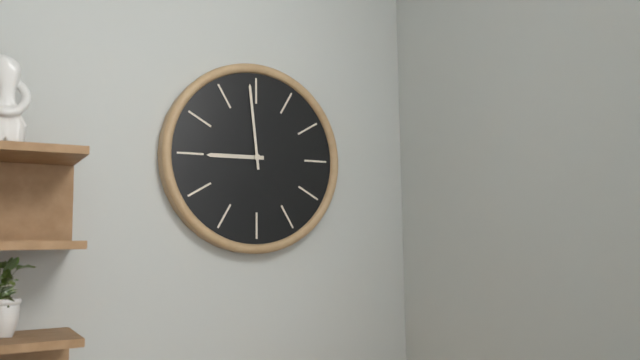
8:59
